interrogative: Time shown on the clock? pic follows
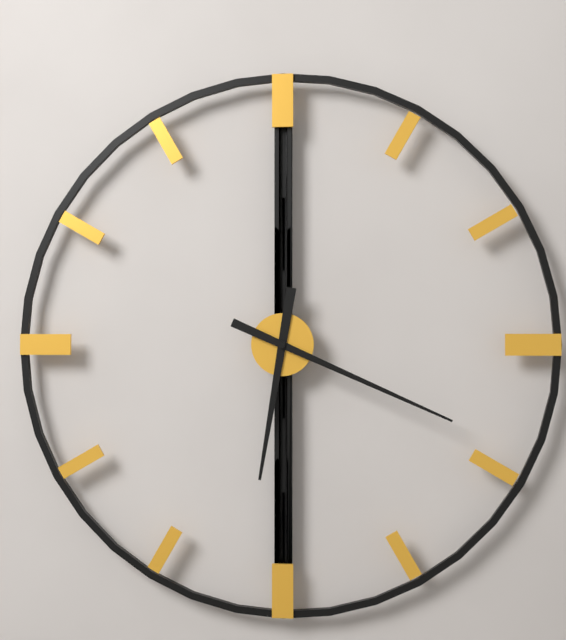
6:19
